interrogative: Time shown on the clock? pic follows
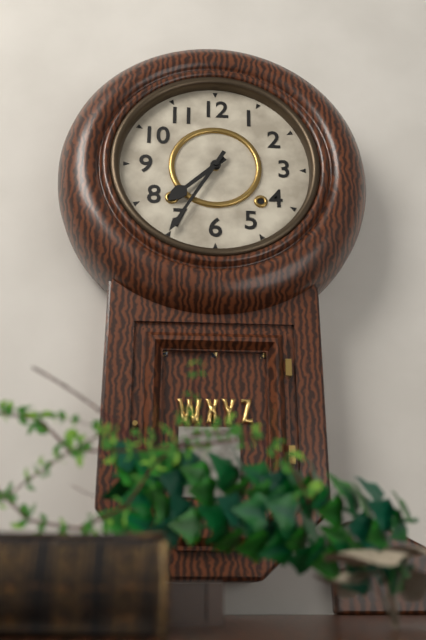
7:35
